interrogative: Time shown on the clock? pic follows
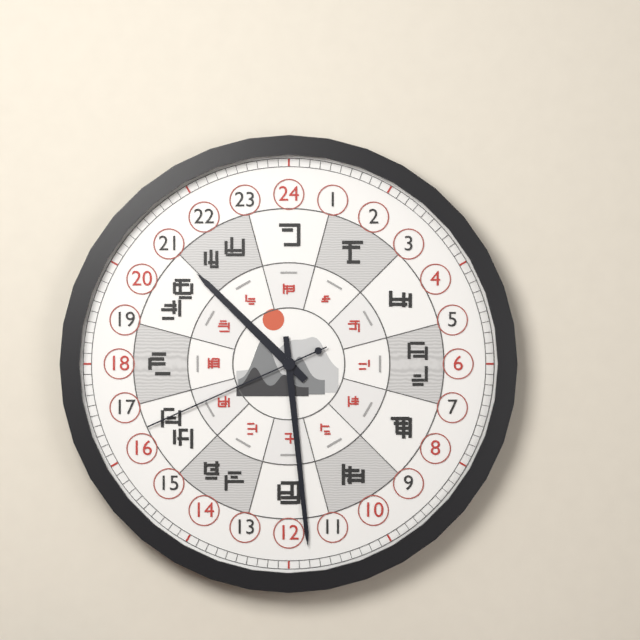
10:29:41
